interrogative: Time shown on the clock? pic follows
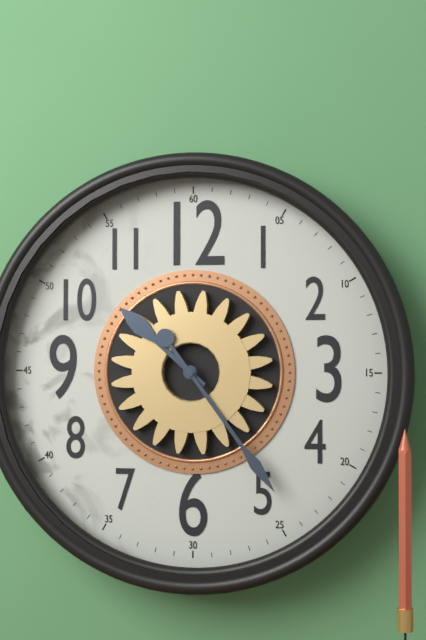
10:24
